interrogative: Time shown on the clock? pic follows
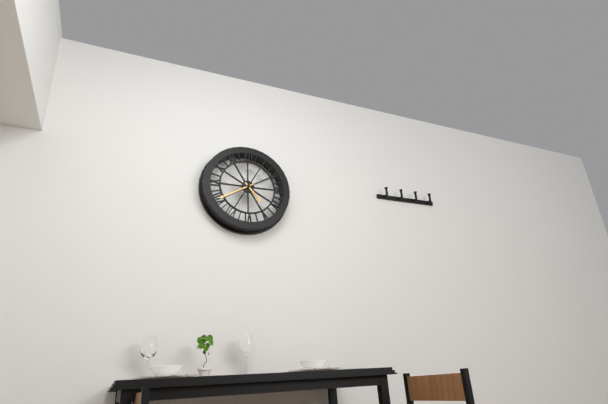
4:40
